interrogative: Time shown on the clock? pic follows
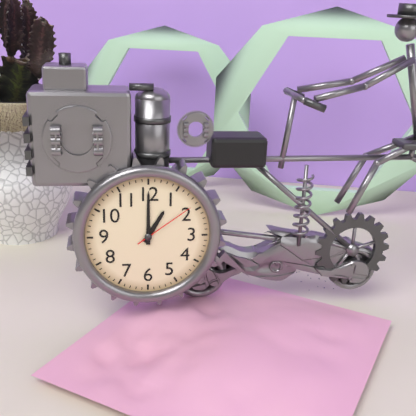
1:00:09
